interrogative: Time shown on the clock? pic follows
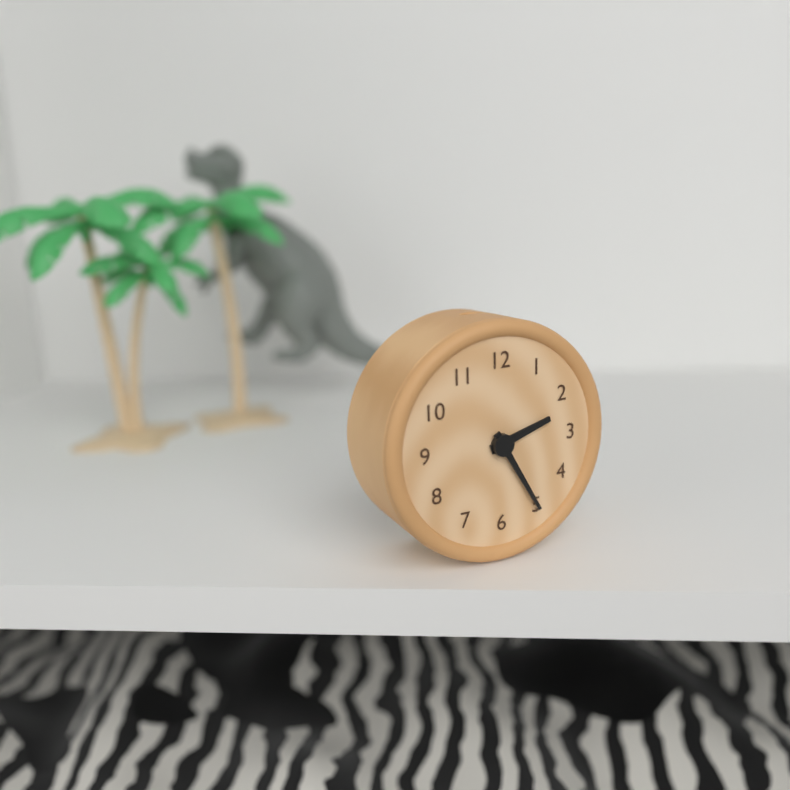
2:25
